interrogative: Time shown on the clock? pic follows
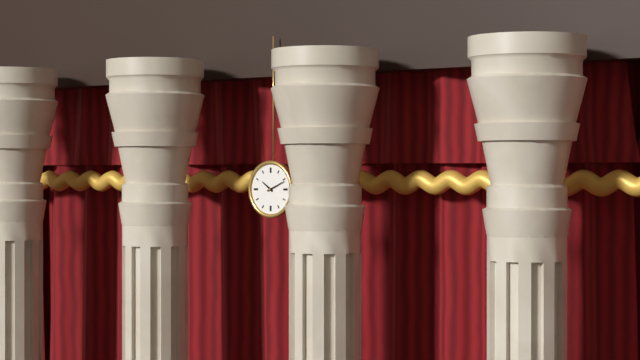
10:11
